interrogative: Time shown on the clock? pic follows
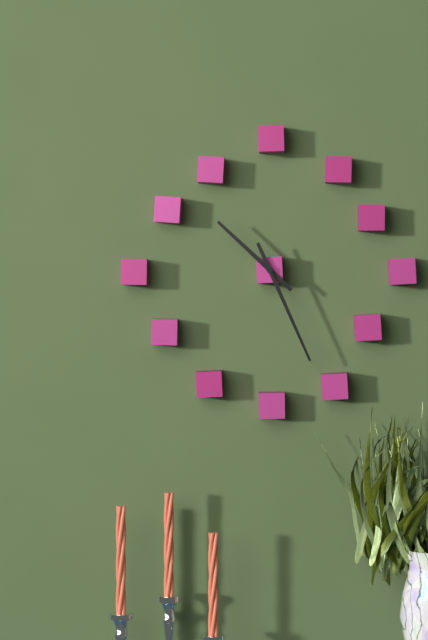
10:26
